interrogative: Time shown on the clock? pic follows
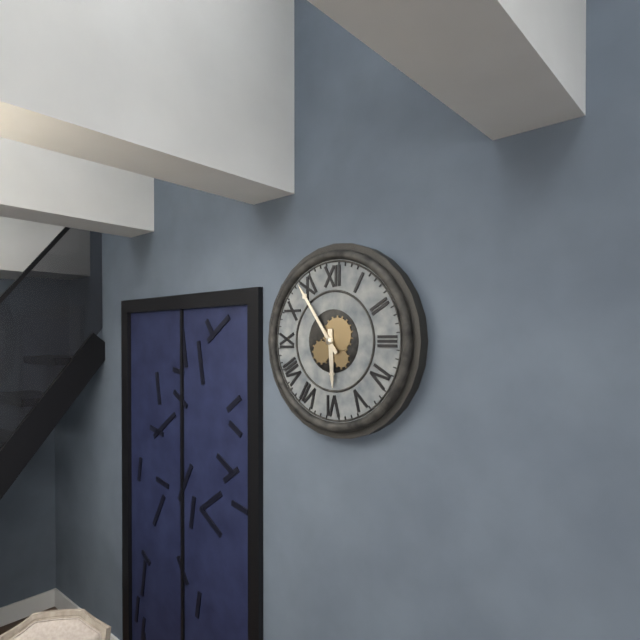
5:54
